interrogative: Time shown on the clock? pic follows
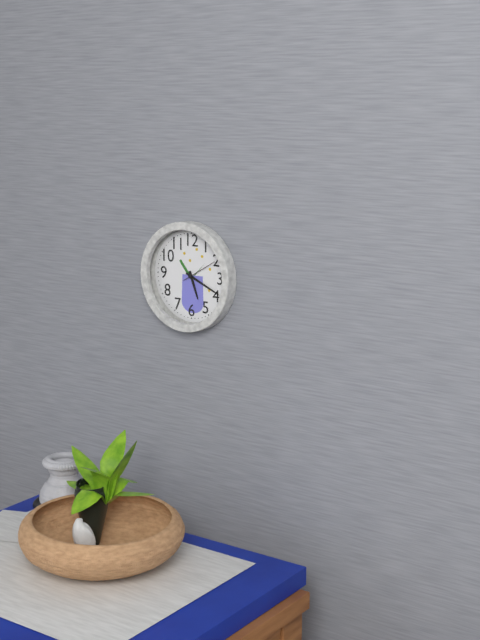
5:19
